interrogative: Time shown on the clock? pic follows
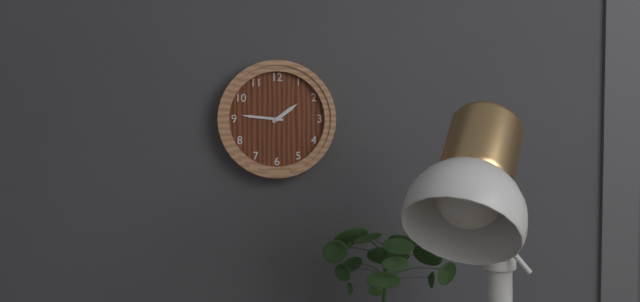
1:46
